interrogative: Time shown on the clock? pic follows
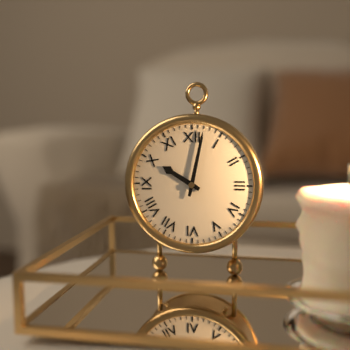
10:02
